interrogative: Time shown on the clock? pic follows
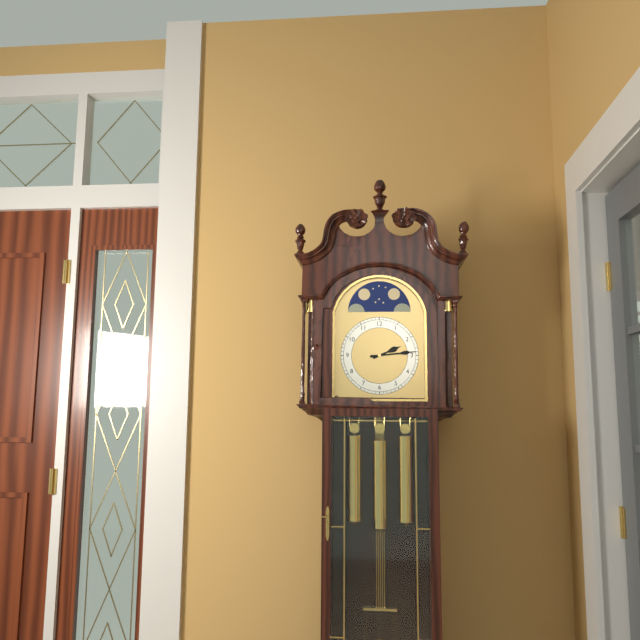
2:14
